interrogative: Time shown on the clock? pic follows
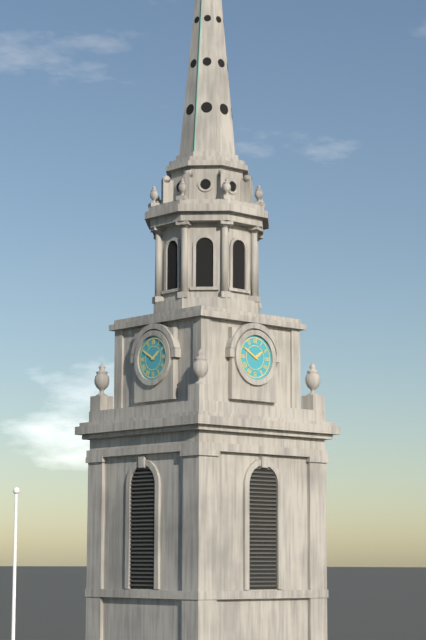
1:50
